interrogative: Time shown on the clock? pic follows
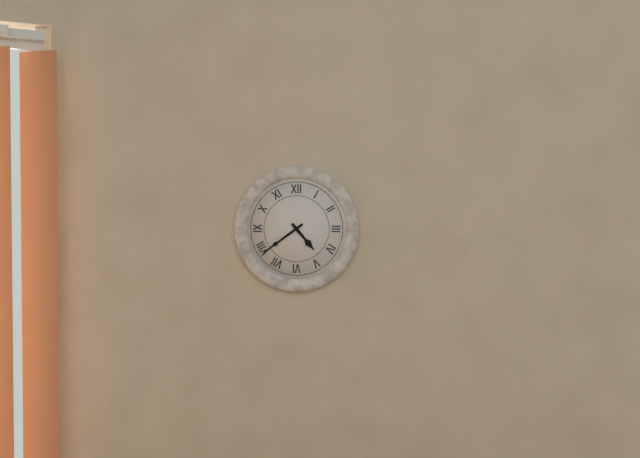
4:39
